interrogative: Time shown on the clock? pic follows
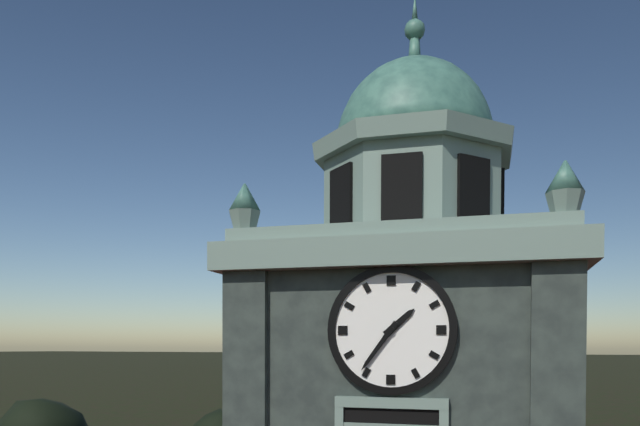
1:36
